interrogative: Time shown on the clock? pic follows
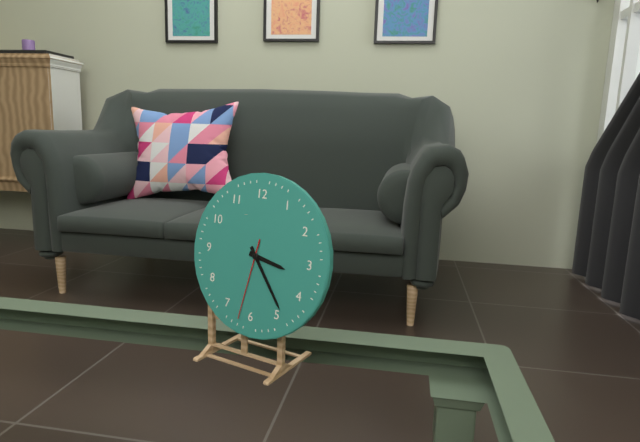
3:24:32
